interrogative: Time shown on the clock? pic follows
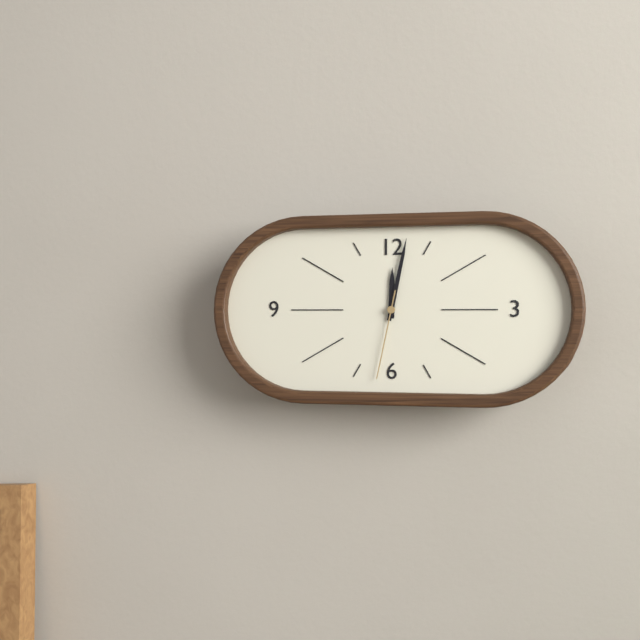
12:02:32
